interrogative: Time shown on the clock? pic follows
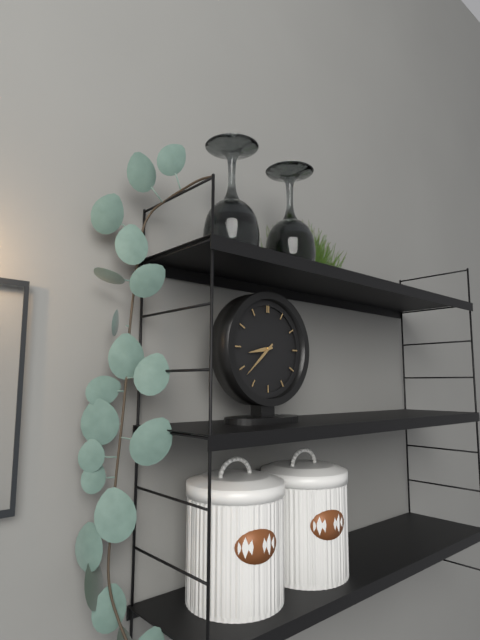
8:38
